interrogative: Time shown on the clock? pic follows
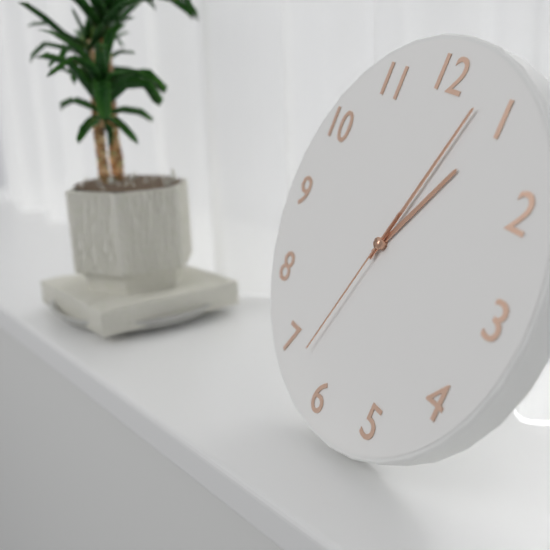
1:03:33
